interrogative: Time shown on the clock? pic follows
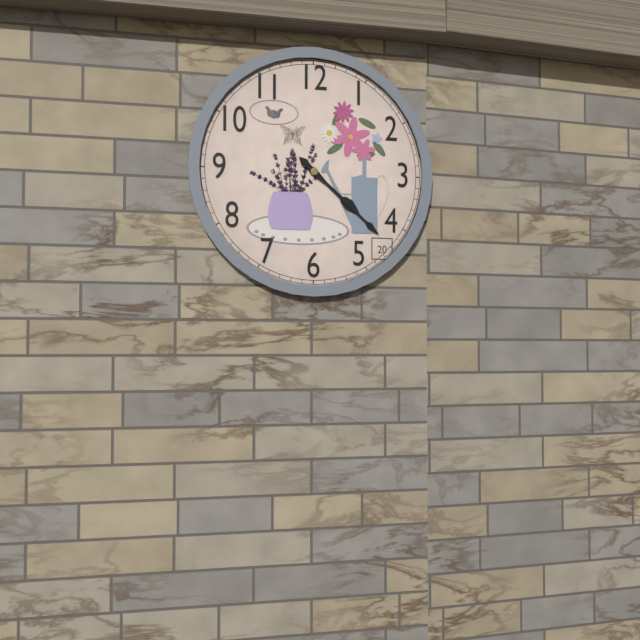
4:22
